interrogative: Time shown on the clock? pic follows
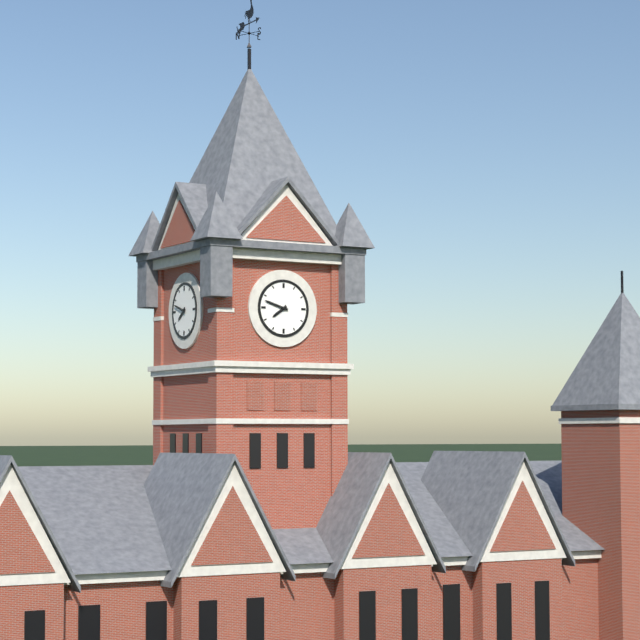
7:48
